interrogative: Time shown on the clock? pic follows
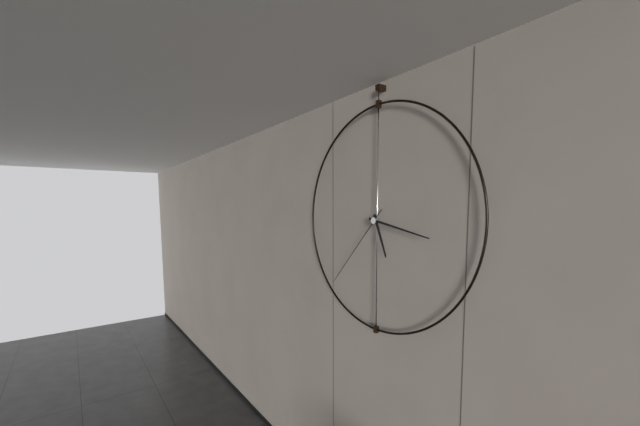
5:17:37
